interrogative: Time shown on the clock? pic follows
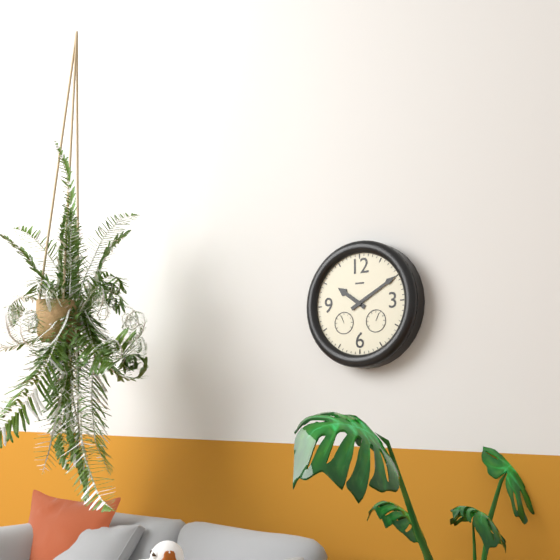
10:10
